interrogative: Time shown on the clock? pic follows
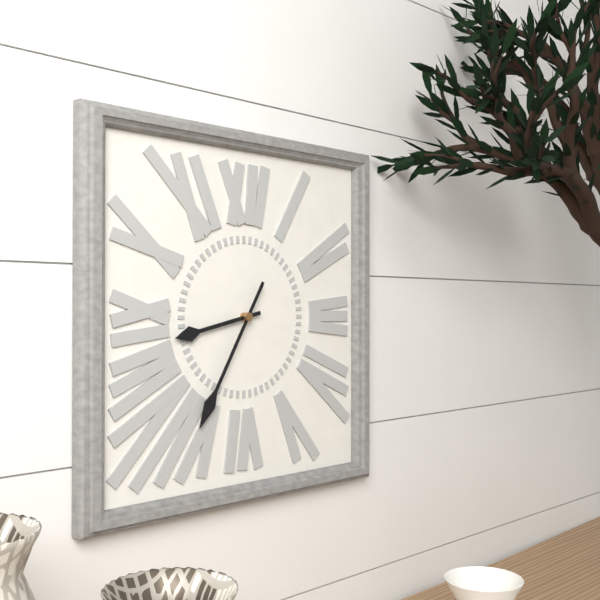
8:35
